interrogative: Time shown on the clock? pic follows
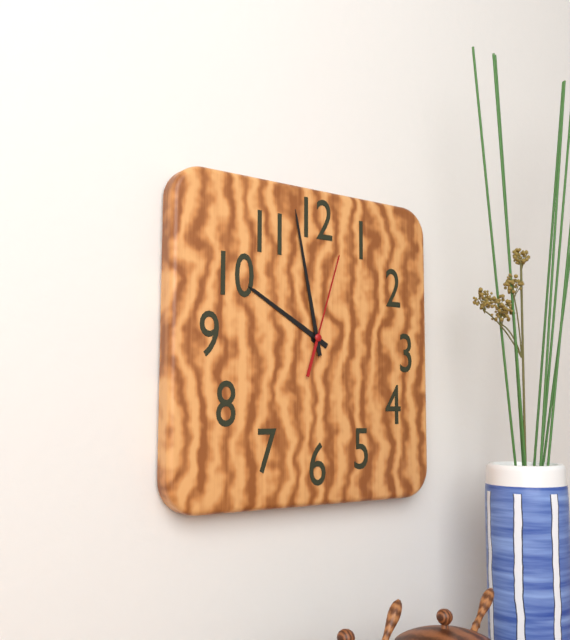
9:58:03
